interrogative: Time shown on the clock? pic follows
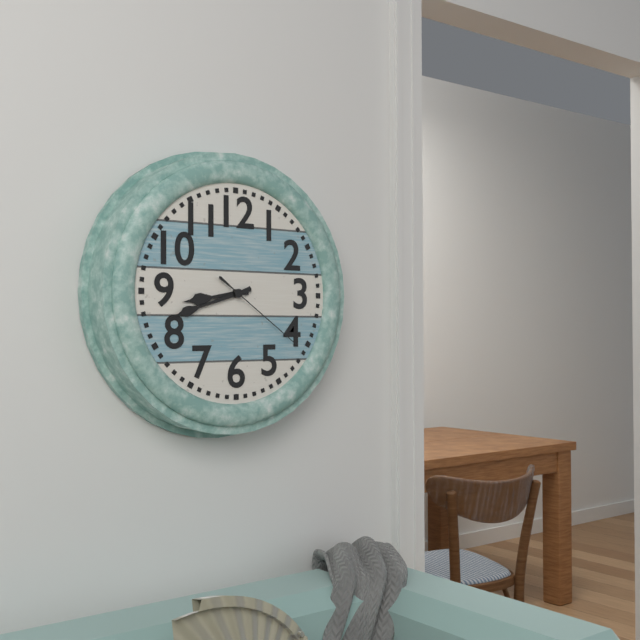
8:42:21
